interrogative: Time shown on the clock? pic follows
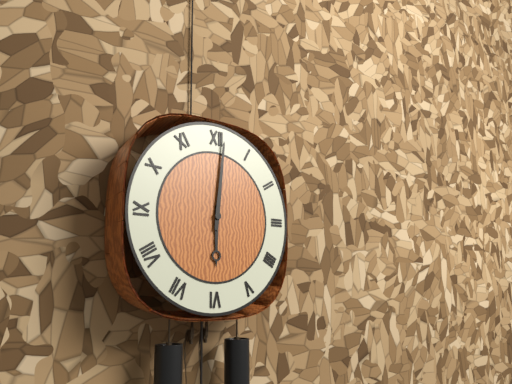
6:01
